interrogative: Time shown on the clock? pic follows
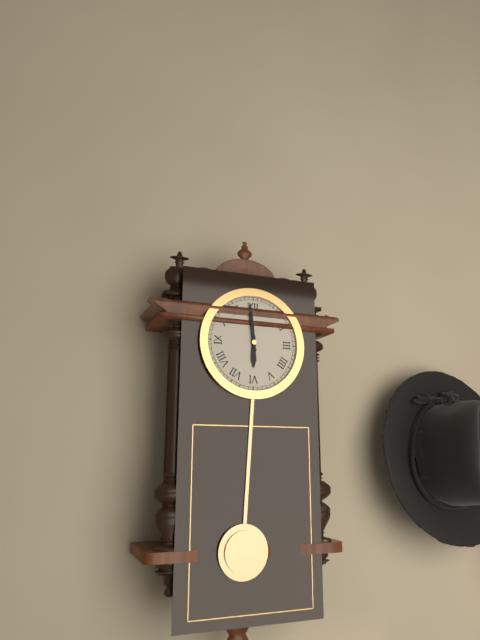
5:59
